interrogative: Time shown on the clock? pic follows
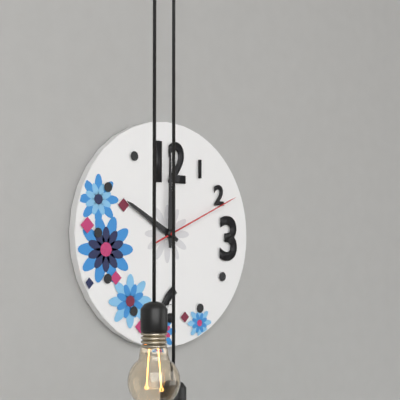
10:00:11
